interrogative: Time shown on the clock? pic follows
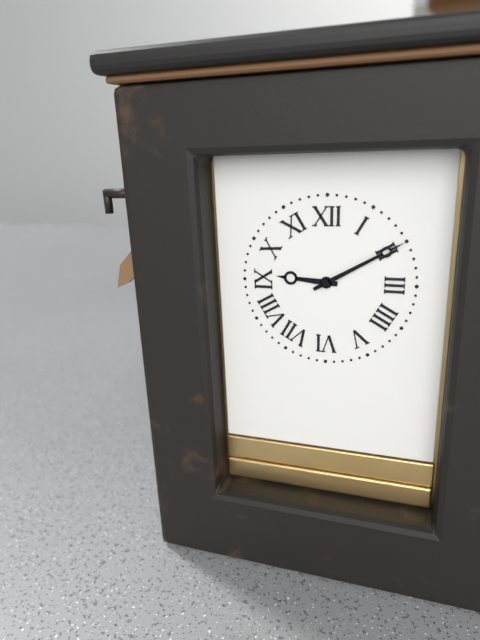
9:10
